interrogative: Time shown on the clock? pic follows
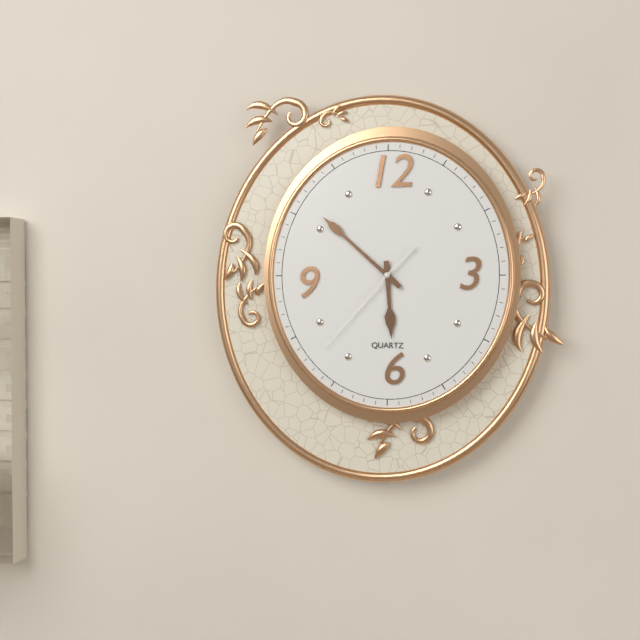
5:52:37
